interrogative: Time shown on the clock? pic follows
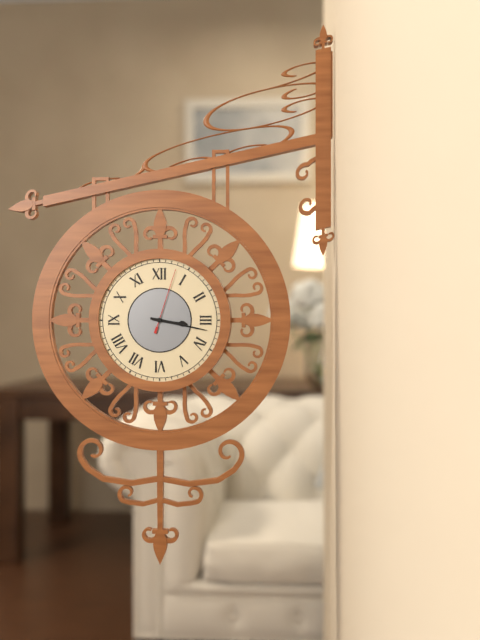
3:17:03
